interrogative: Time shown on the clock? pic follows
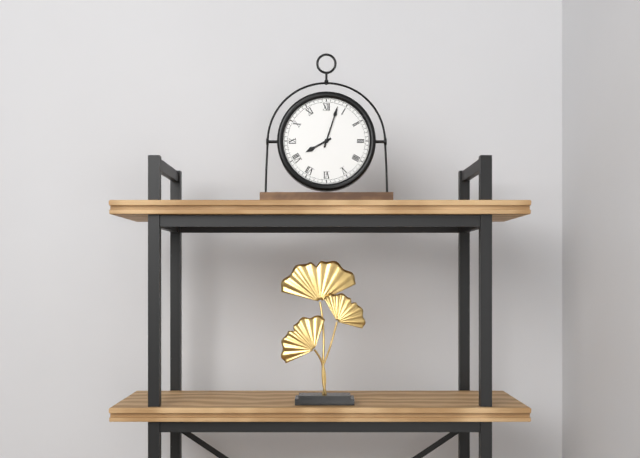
8:03
